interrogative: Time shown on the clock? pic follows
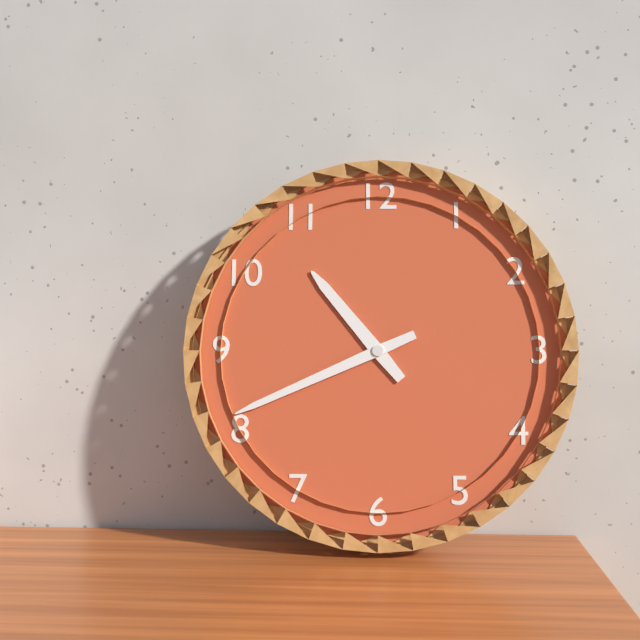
10:41
